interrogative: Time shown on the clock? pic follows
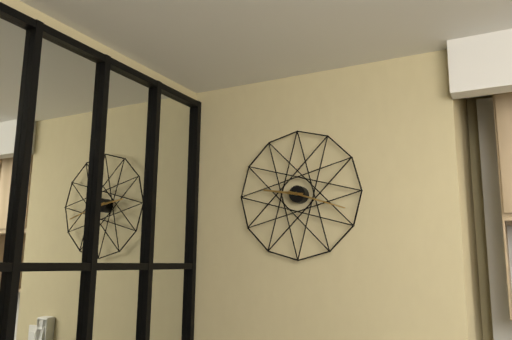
9:18
